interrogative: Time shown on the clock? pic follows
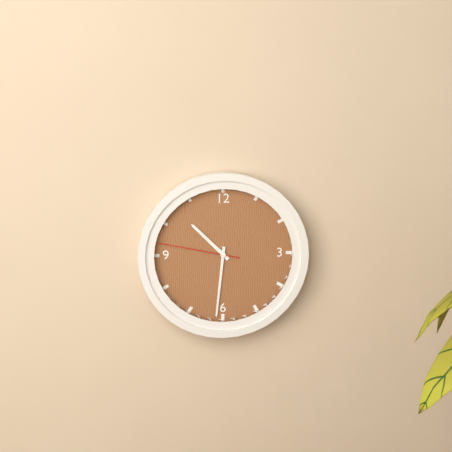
10:31:47
